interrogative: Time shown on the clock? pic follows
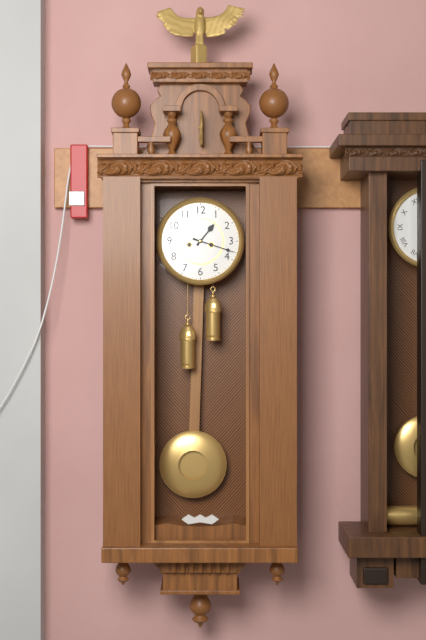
1:18
